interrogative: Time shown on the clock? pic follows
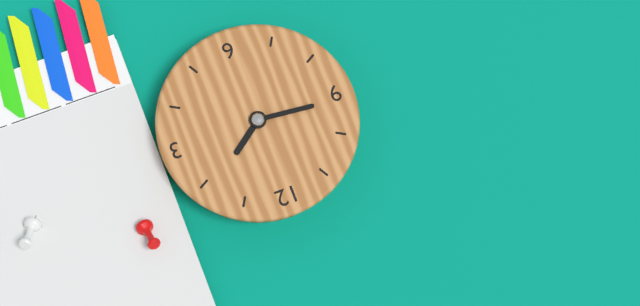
1:46
